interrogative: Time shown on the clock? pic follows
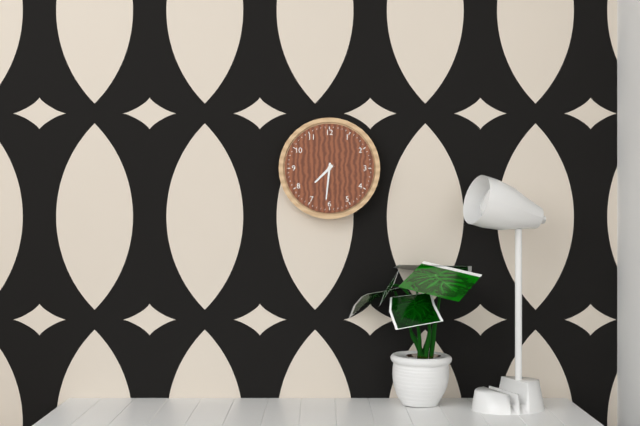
7:31
